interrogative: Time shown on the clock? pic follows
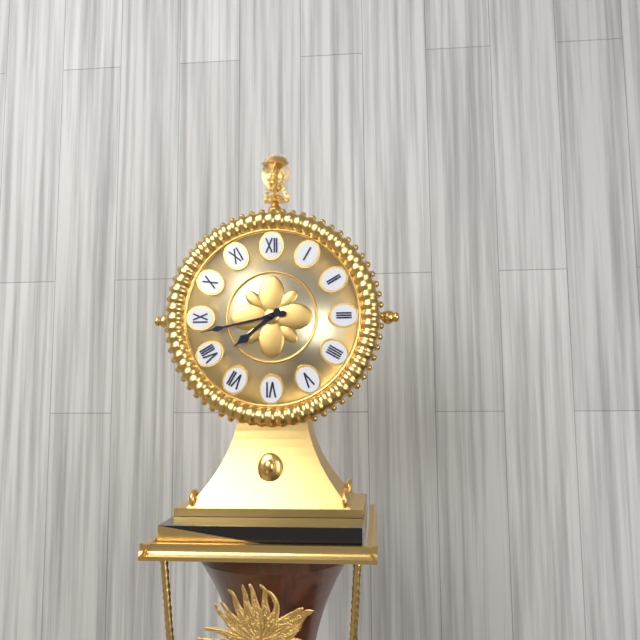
7:43
